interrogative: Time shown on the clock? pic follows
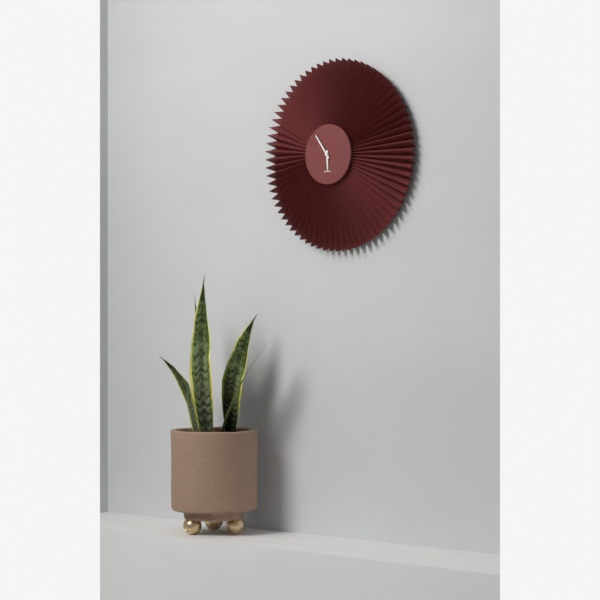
5:54
